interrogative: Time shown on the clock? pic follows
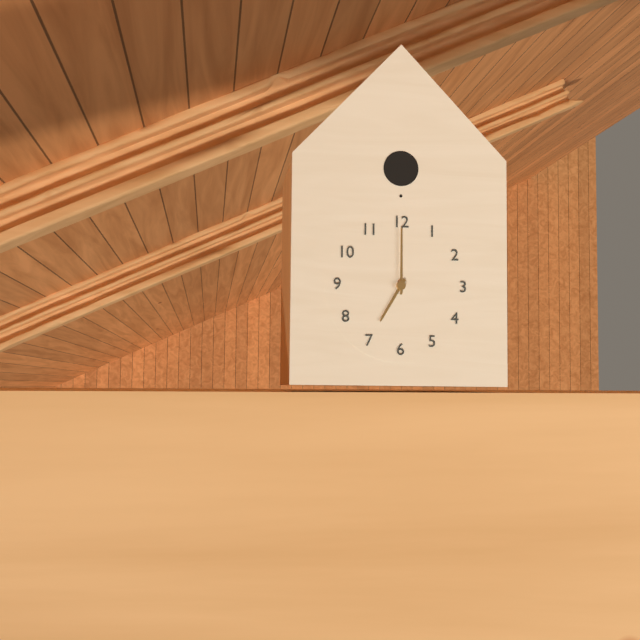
7:00
